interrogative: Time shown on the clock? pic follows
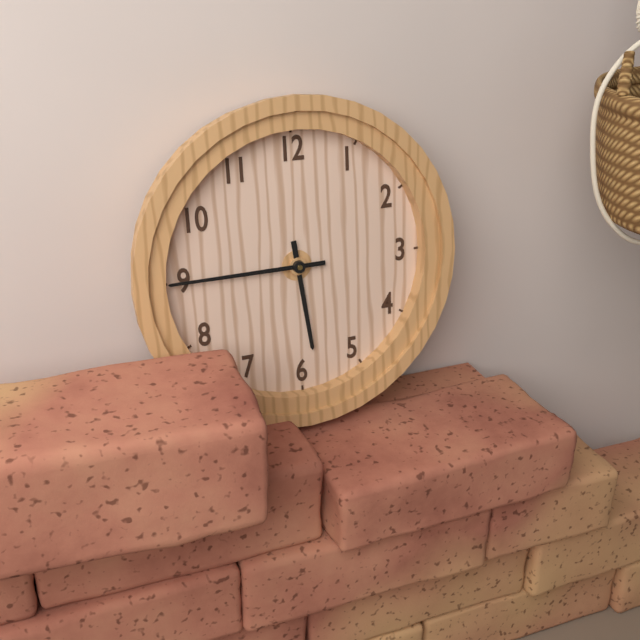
5:45:45
